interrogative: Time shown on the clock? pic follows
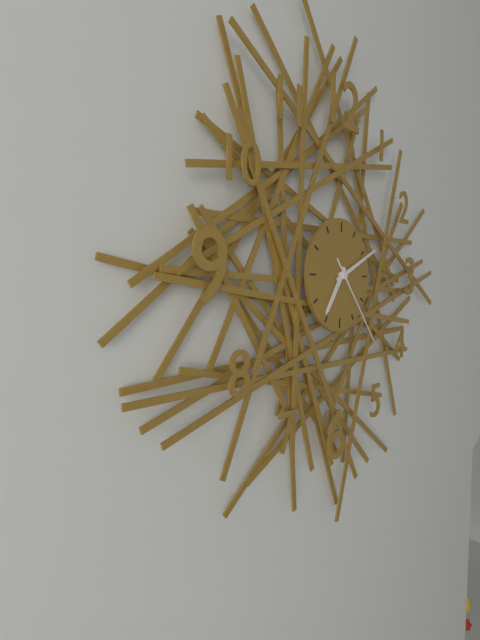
7:11:23
